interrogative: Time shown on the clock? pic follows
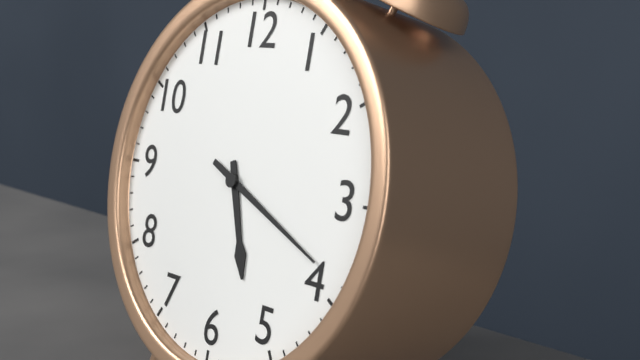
5:19
